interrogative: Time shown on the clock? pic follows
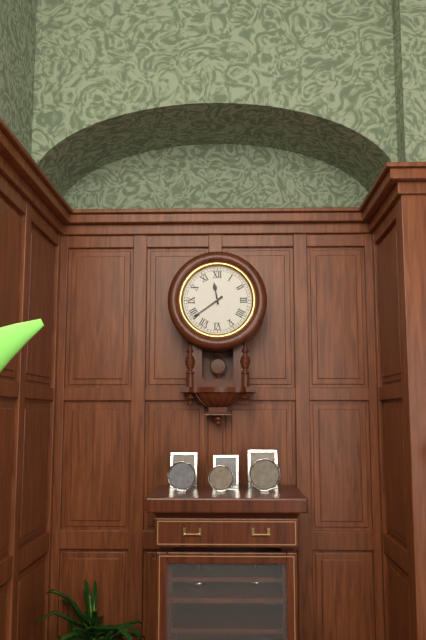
11:39
